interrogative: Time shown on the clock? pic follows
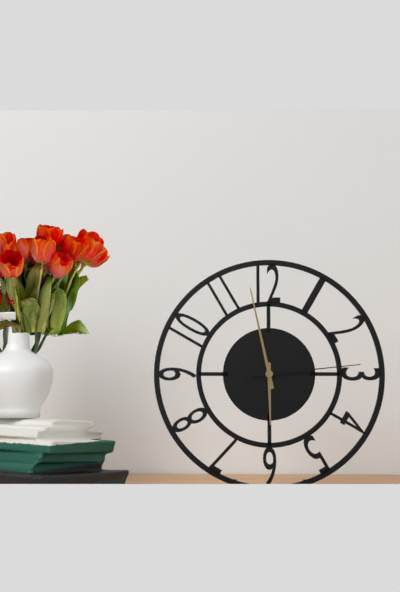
5:58:14
